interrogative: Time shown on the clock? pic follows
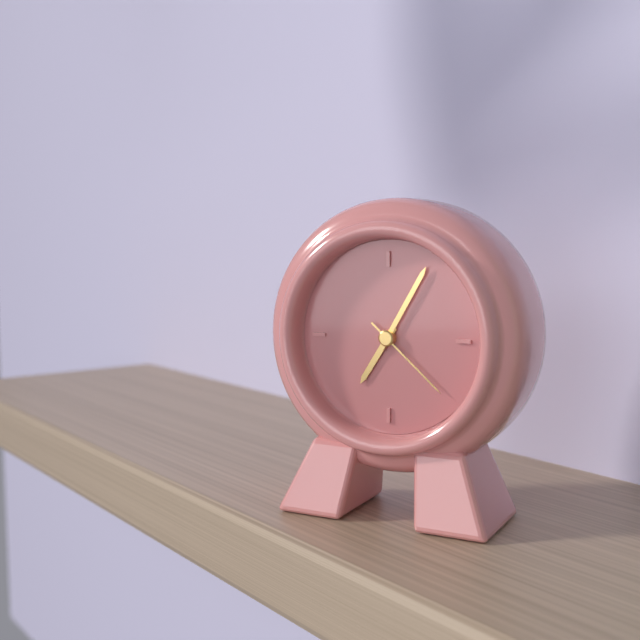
7:05:22
